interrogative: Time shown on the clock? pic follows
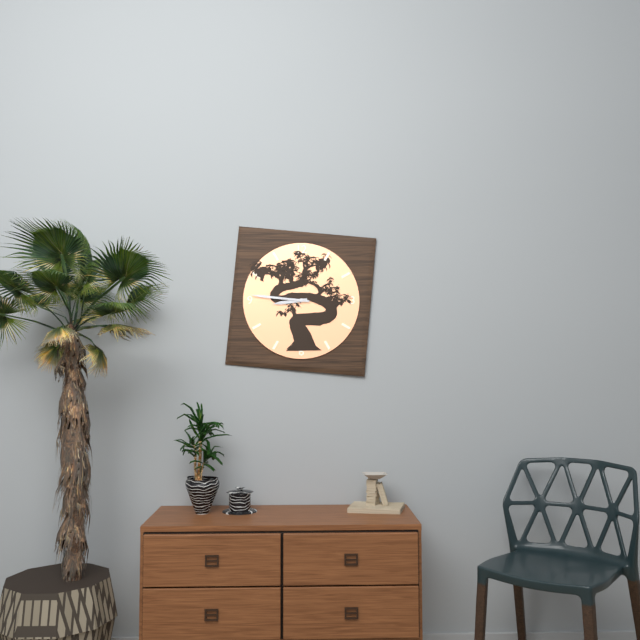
8:46
